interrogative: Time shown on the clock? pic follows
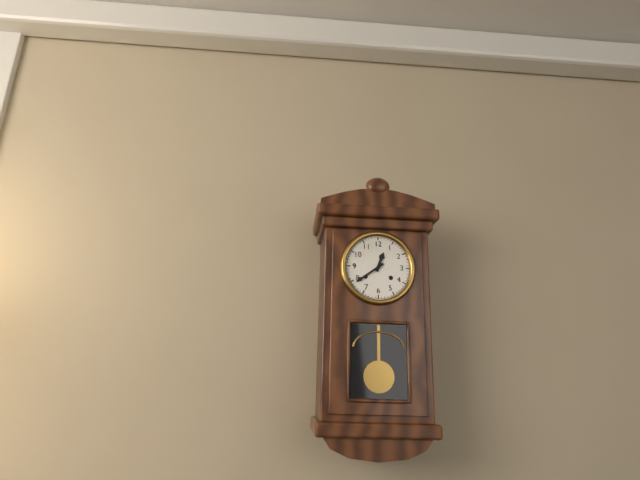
12:39
